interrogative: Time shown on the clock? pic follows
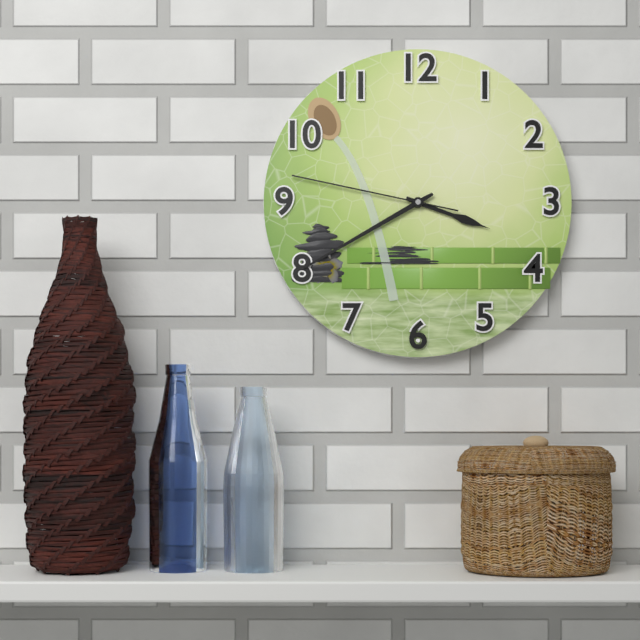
3:40:47
